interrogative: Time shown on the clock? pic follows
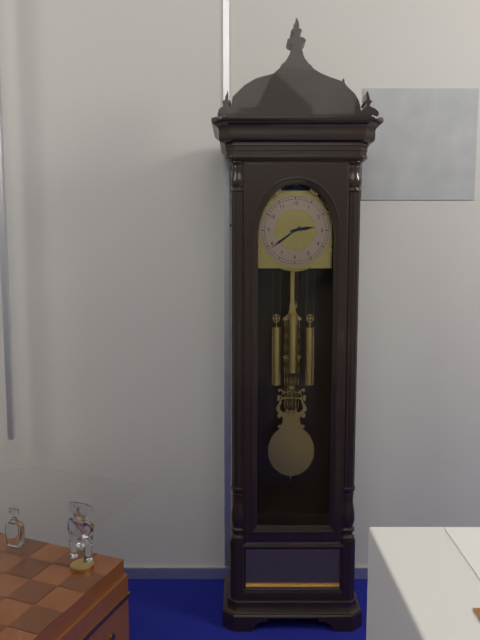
2:39
